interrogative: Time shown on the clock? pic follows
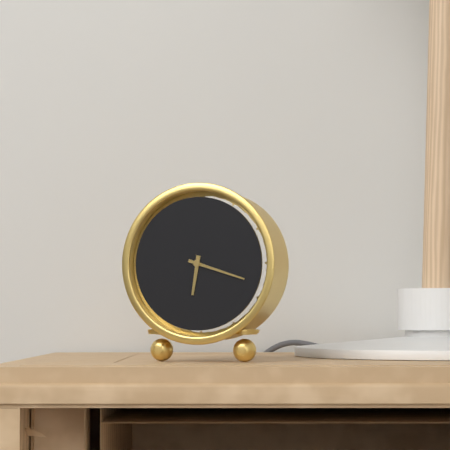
6:18
